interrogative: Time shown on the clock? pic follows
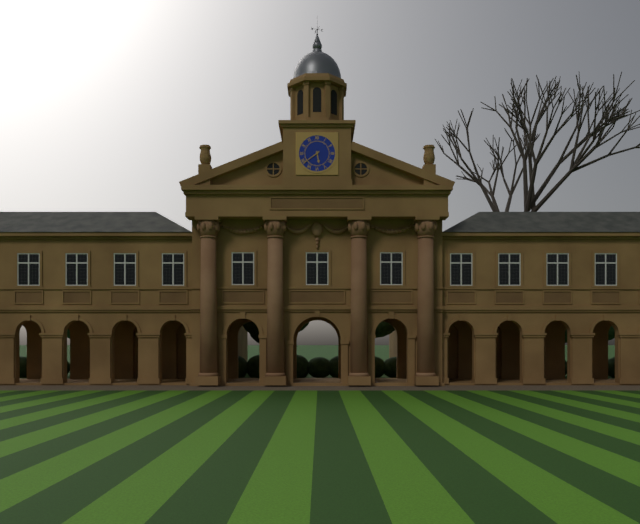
5:39
